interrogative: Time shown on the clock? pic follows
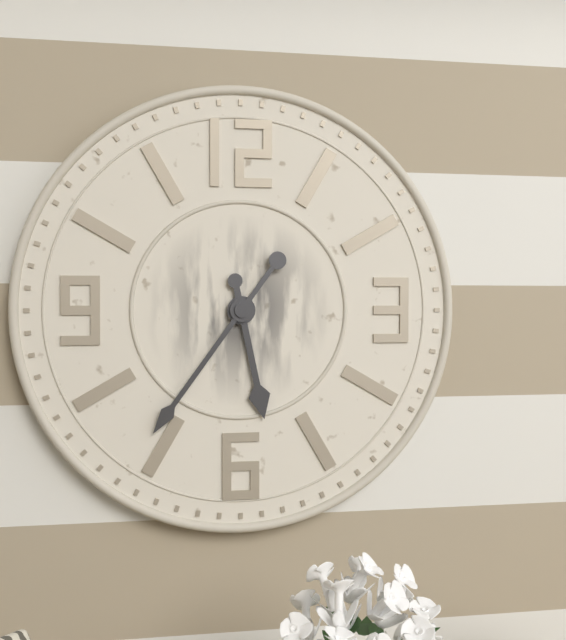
5:36
